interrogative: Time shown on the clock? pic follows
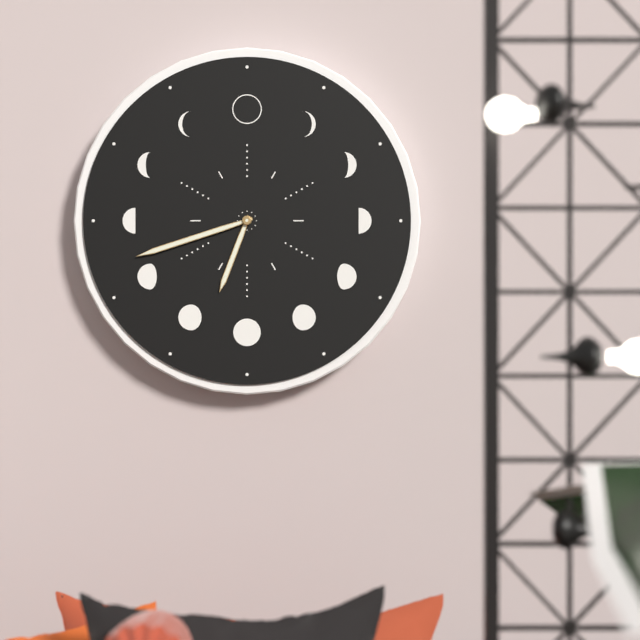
6:42
